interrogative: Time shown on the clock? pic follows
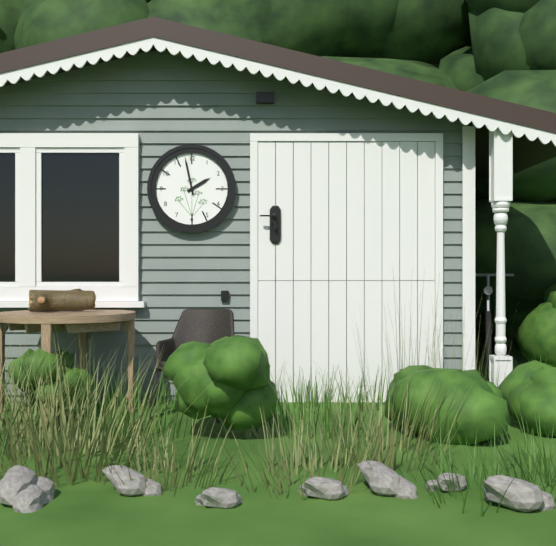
1:58
